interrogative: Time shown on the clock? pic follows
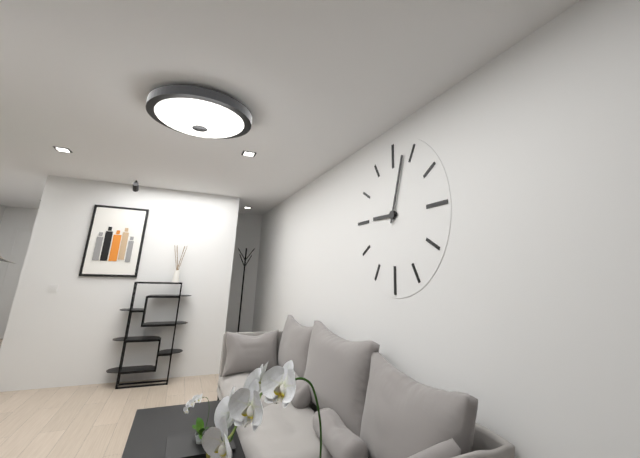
9:03
